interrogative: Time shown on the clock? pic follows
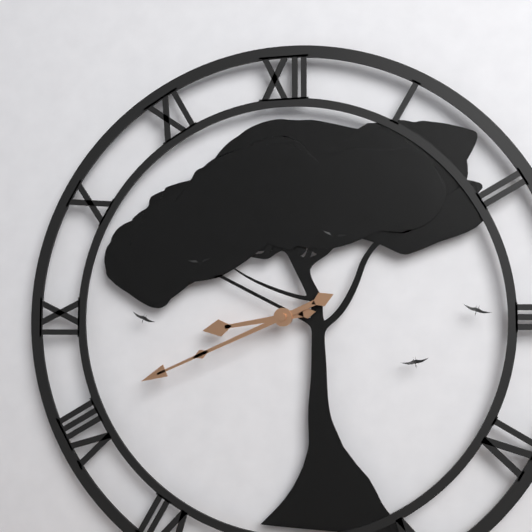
8:41
